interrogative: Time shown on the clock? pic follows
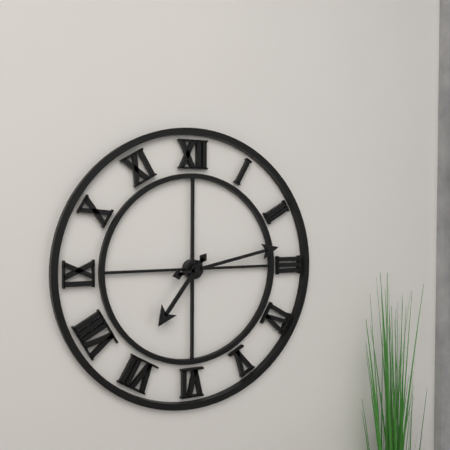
7:13
